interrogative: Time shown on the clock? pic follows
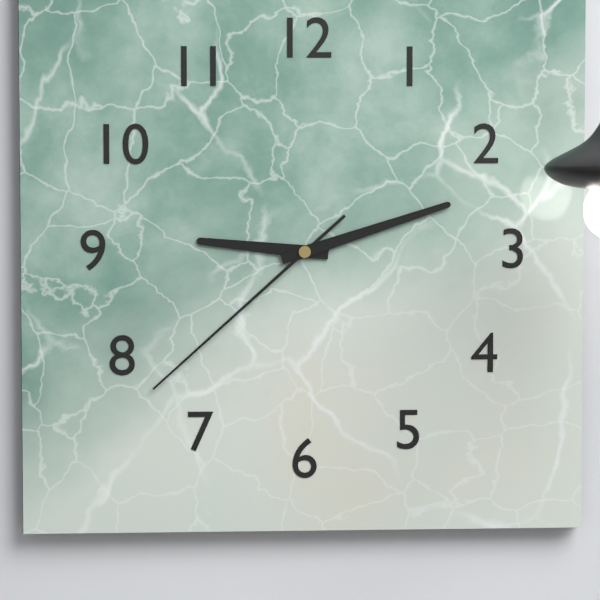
9:12:38
